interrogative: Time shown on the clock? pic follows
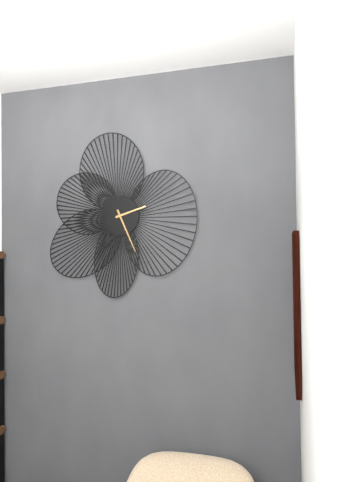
2:26
